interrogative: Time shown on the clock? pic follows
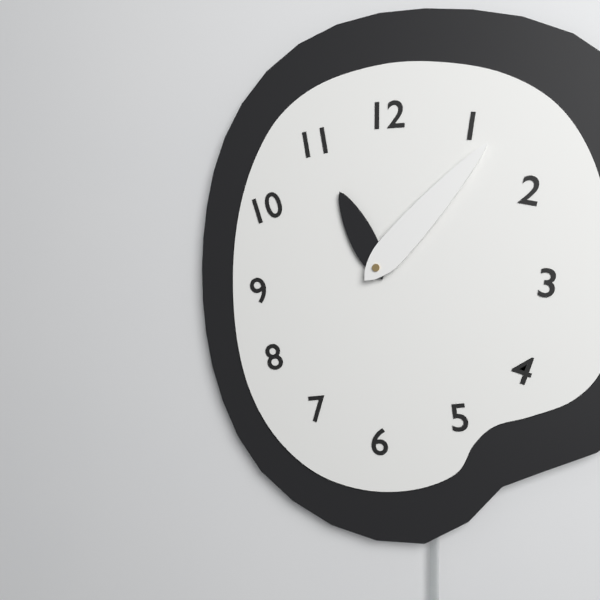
11:07
